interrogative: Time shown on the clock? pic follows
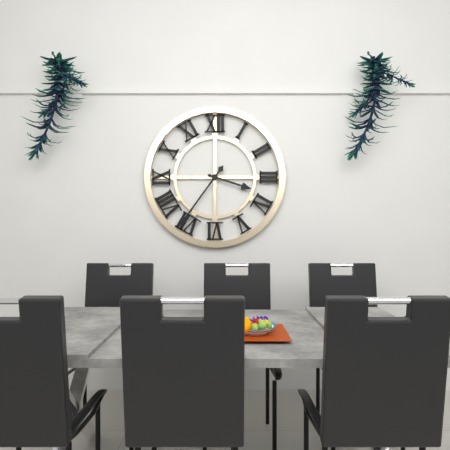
3:36
